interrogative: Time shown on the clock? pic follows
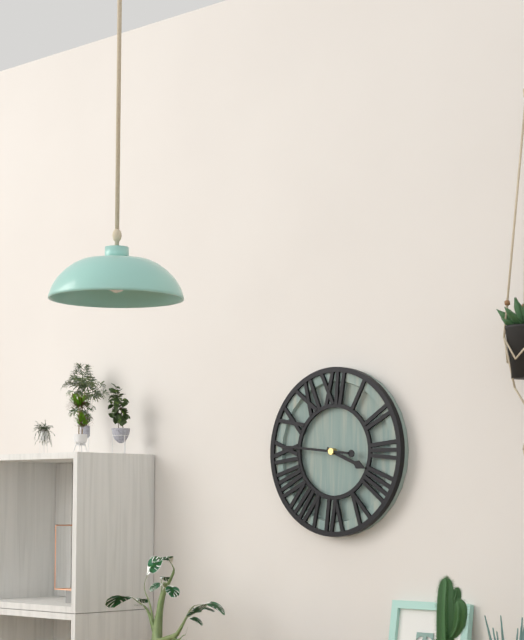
3:46
